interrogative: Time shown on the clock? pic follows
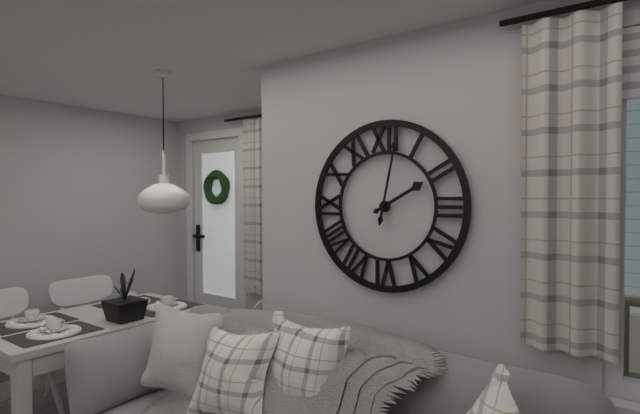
2:02
